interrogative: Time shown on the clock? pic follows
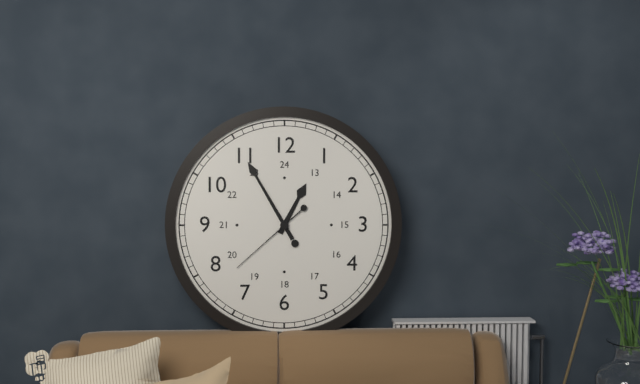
12:55:38
